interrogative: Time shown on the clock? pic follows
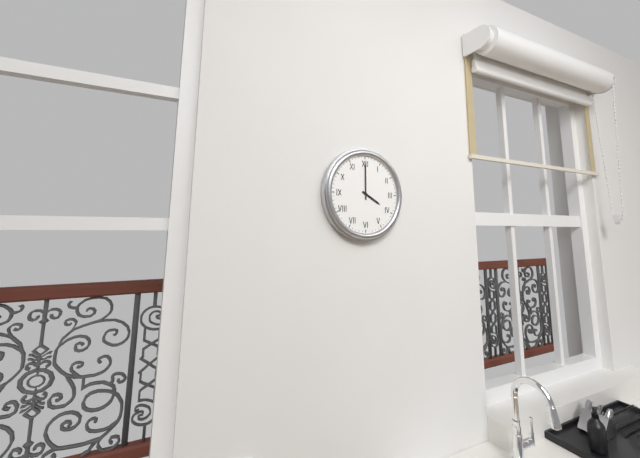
4:00
